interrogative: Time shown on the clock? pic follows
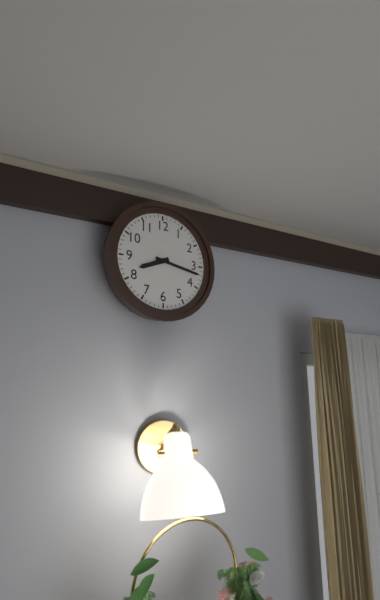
8:17
